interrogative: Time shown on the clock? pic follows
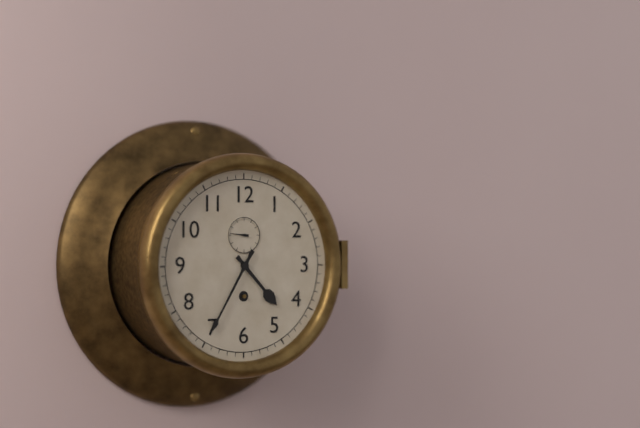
4:35
